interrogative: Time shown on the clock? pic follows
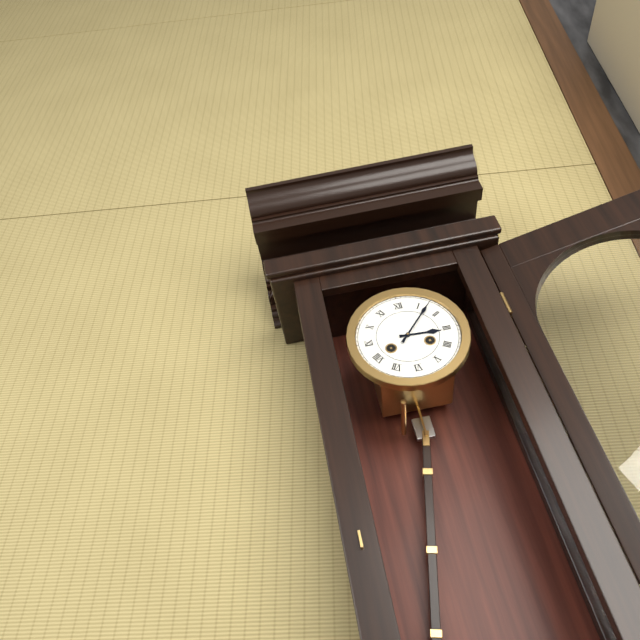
3:07
